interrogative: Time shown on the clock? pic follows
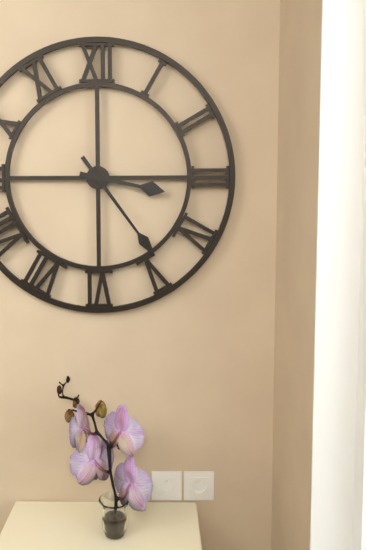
3:24
